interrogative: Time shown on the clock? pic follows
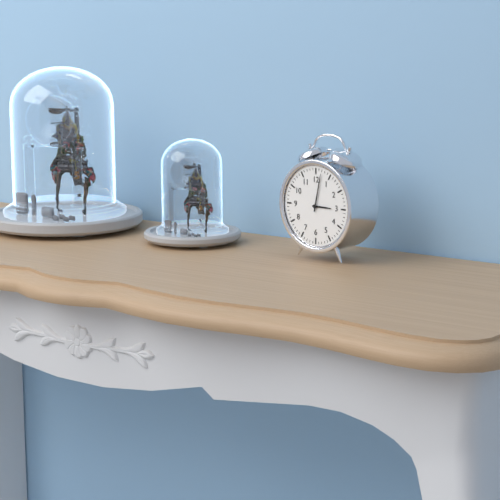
3:02
